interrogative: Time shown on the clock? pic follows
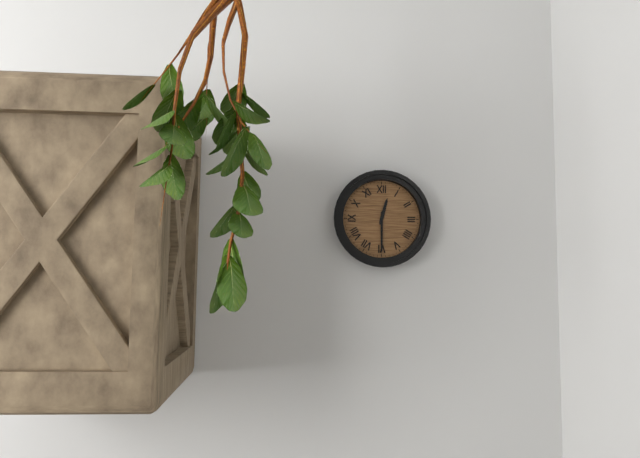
12:30
